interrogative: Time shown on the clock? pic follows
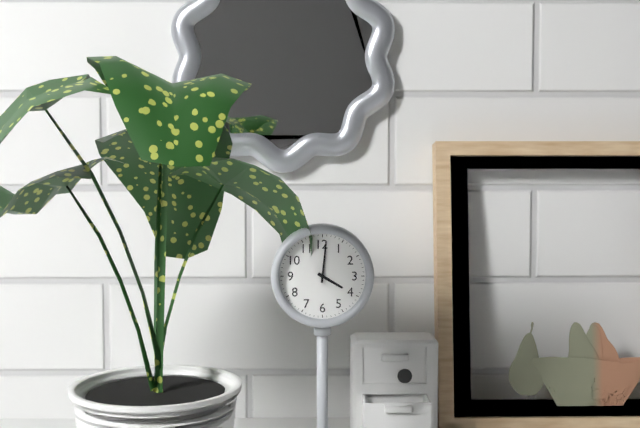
4:01
